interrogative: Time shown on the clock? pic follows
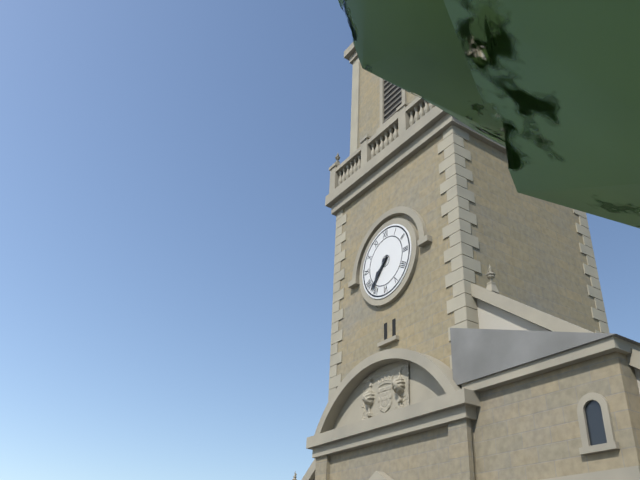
7:37
